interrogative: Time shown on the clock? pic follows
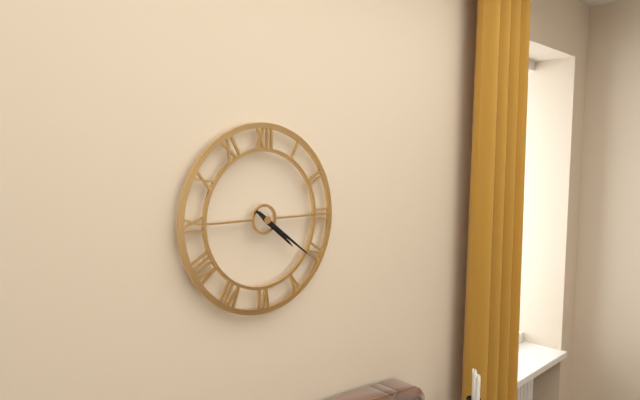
4:21
